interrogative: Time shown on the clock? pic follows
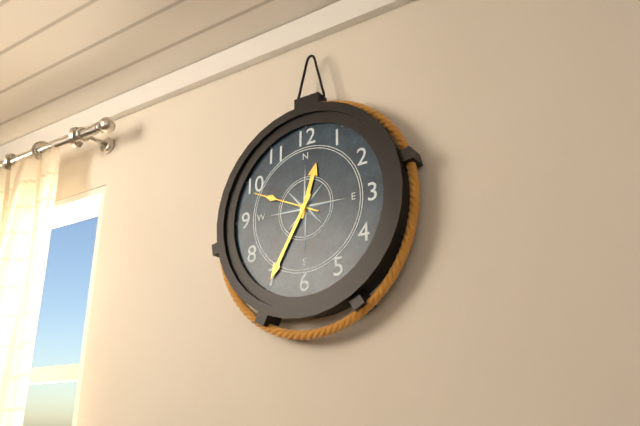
12:35:49
